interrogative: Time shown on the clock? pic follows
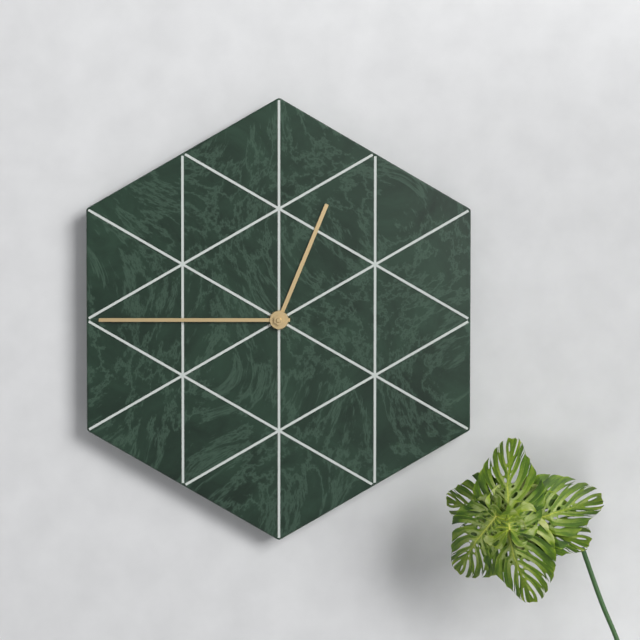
12:45
